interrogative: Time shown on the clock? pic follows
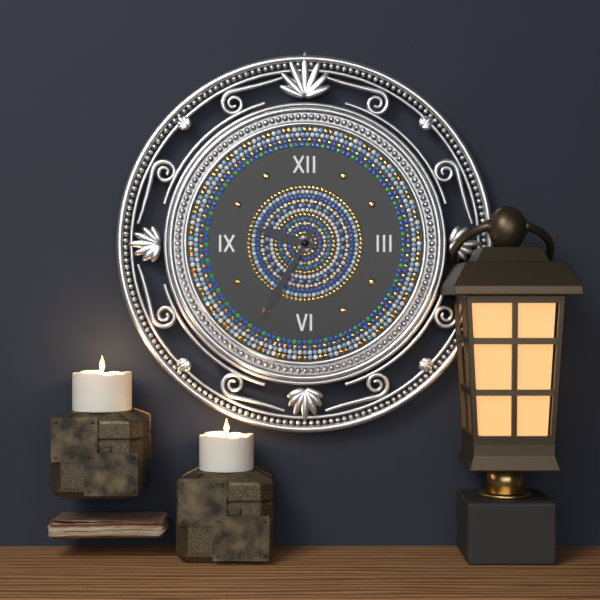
9:35
